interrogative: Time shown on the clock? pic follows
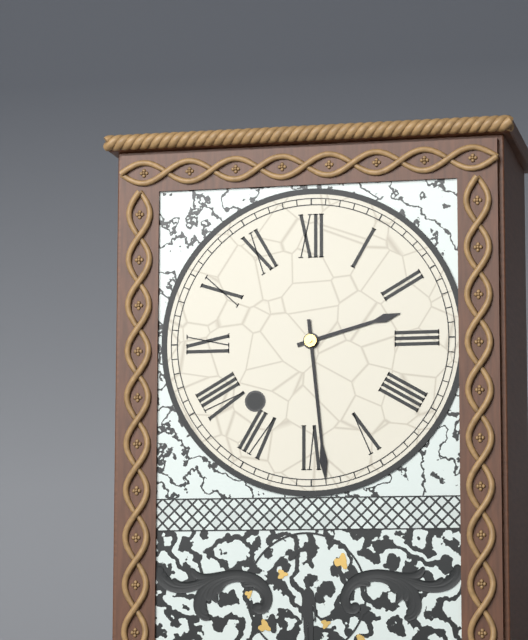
2:29
